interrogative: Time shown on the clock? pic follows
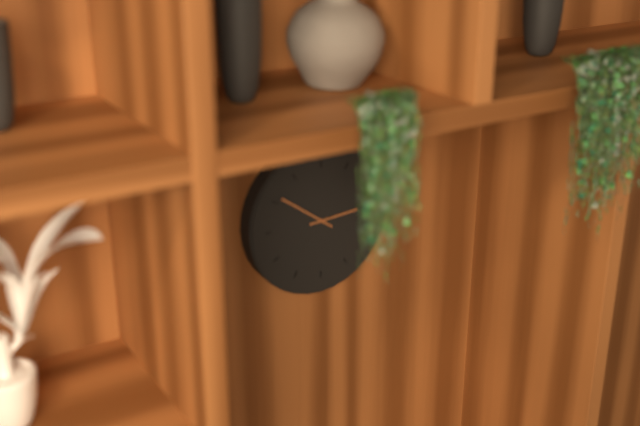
2:51
